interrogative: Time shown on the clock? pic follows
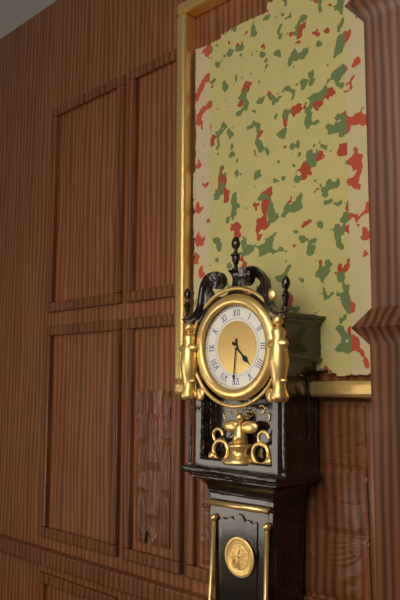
4:31
